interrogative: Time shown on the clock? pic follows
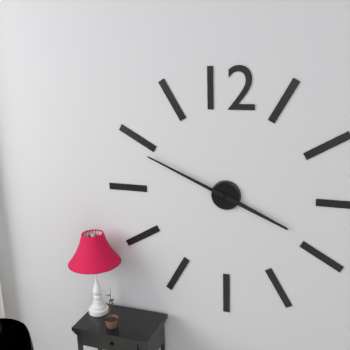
3:49
